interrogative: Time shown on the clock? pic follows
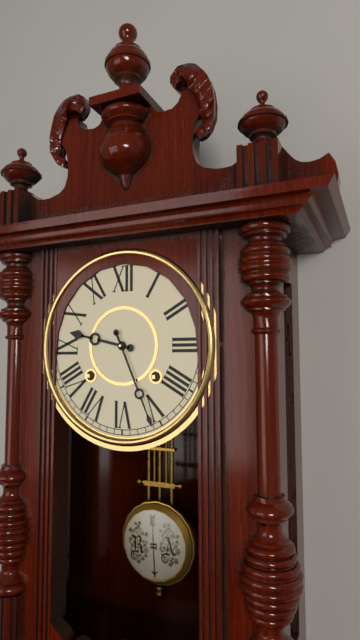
9:26
